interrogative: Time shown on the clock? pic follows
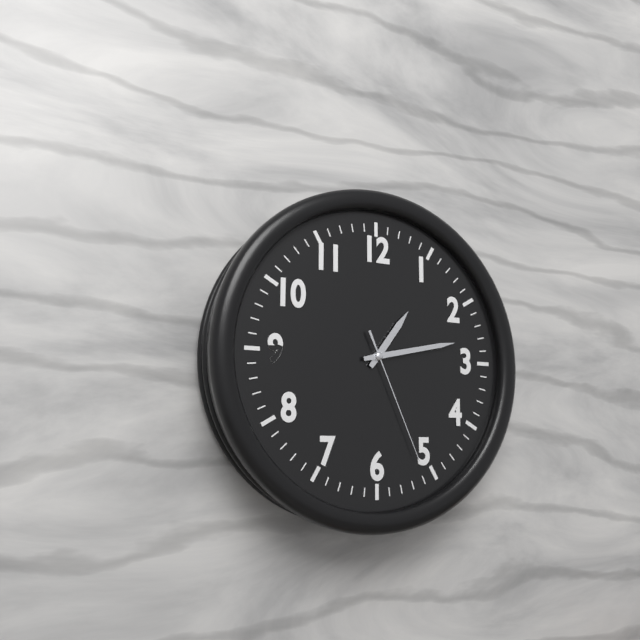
1:13:26
